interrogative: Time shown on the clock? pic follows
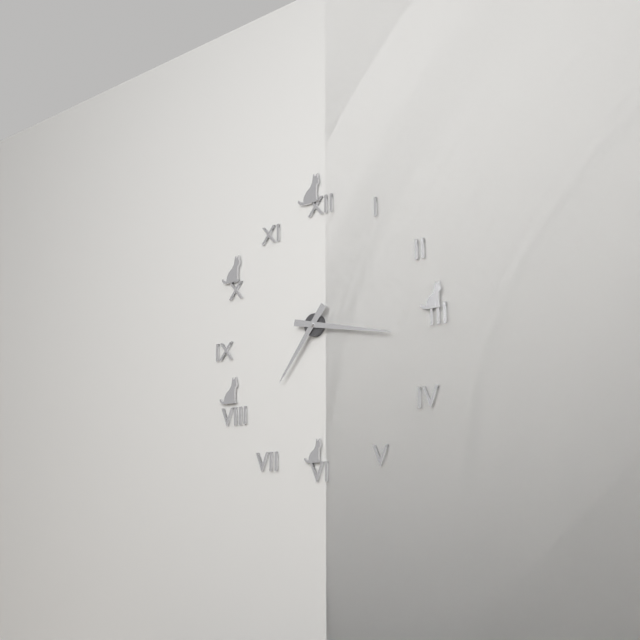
7:17
